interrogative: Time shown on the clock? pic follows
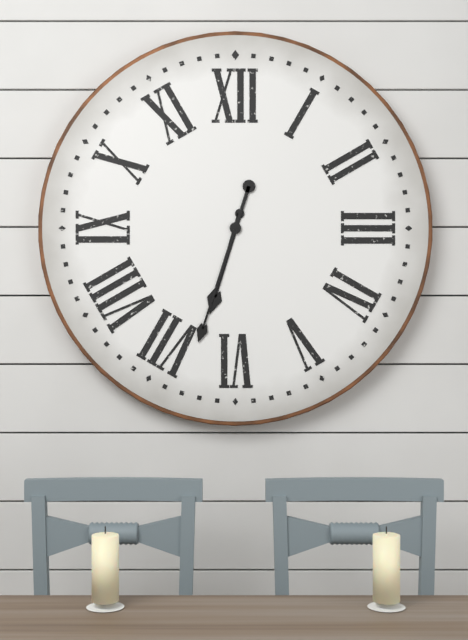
6:33
